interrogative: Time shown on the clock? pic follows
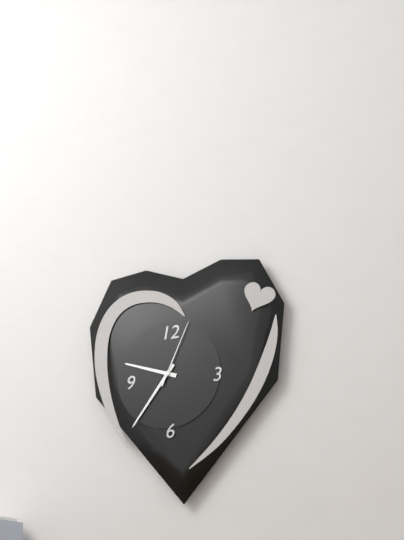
9:36:04
